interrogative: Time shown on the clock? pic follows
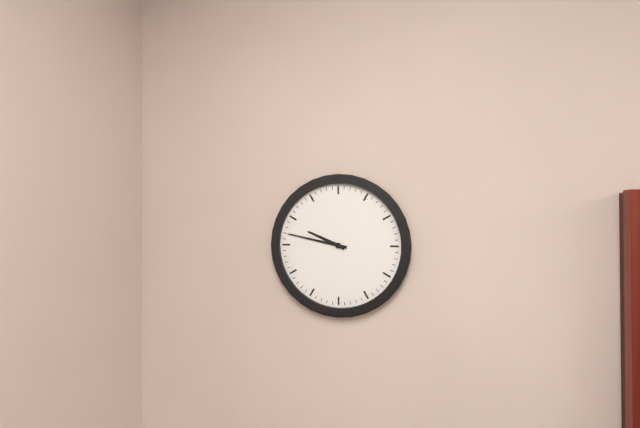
9:47
